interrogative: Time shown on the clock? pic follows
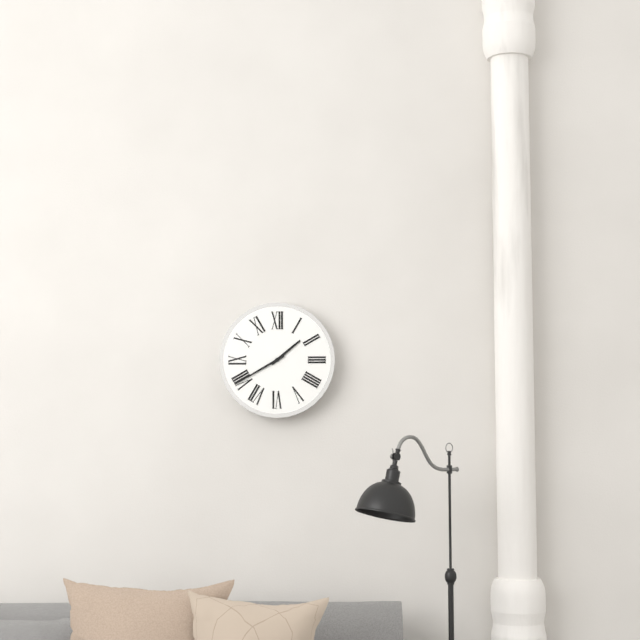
1:40
